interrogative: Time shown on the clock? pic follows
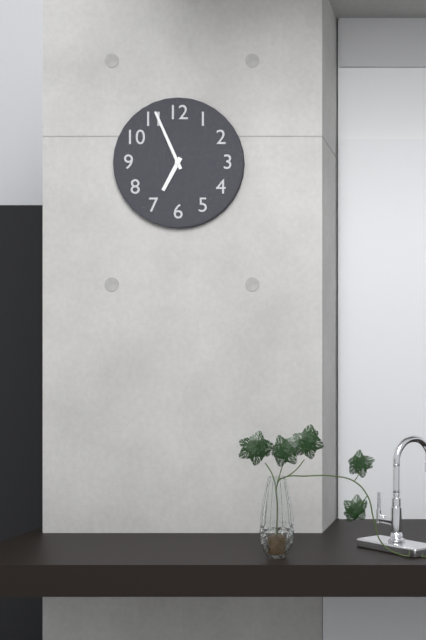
6:56
